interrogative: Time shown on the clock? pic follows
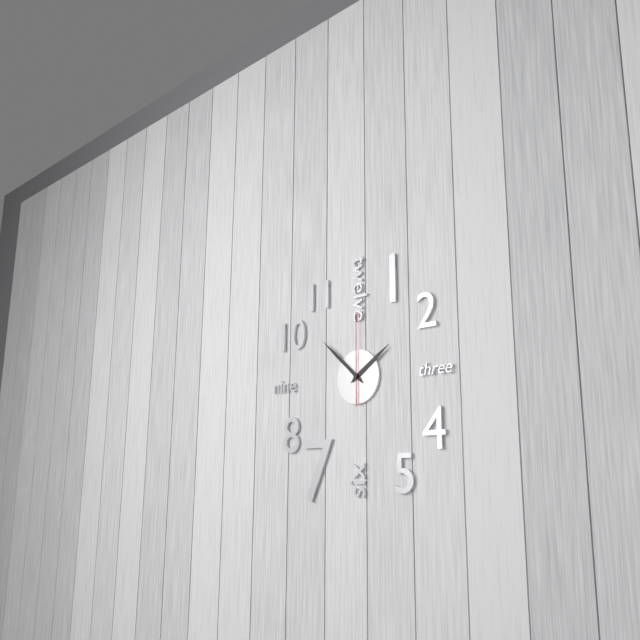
1:52:00
